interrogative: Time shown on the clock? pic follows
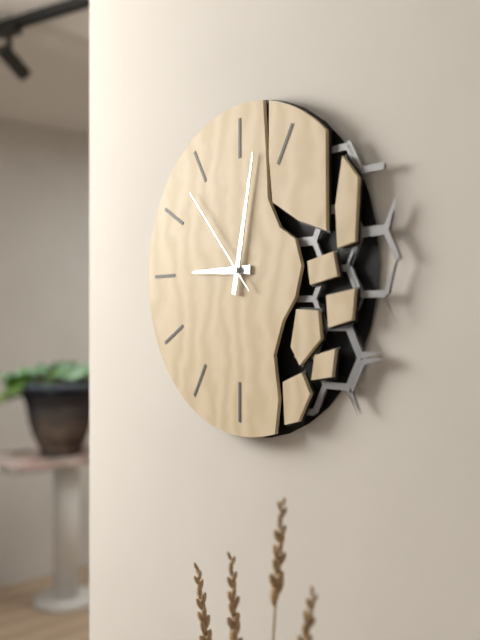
9:02:53
